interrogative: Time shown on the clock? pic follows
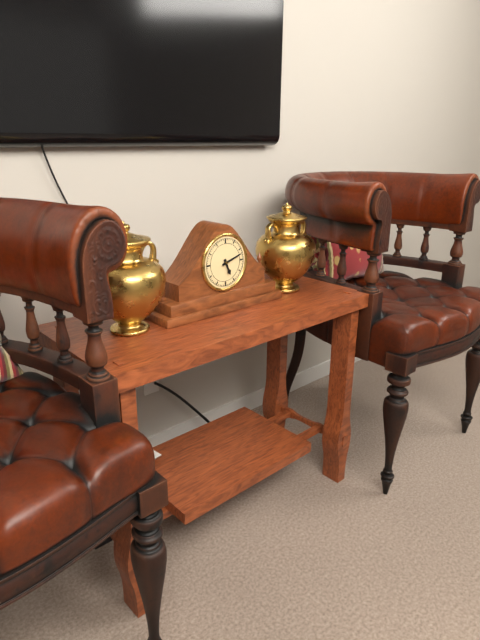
5:12
